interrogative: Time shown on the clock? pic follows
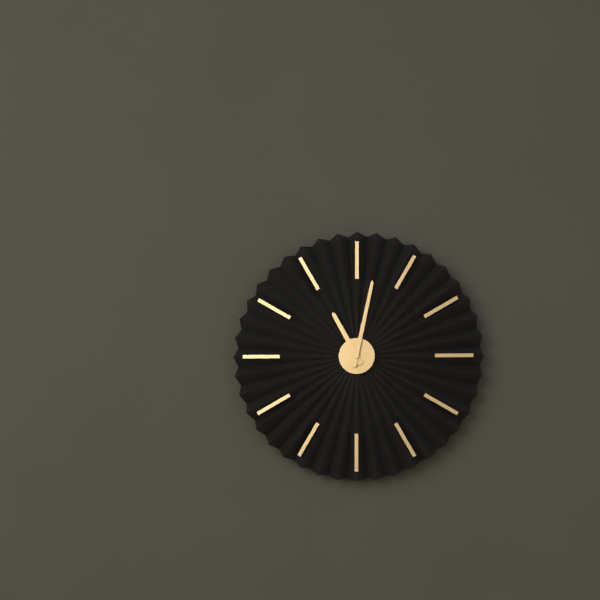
11:02
